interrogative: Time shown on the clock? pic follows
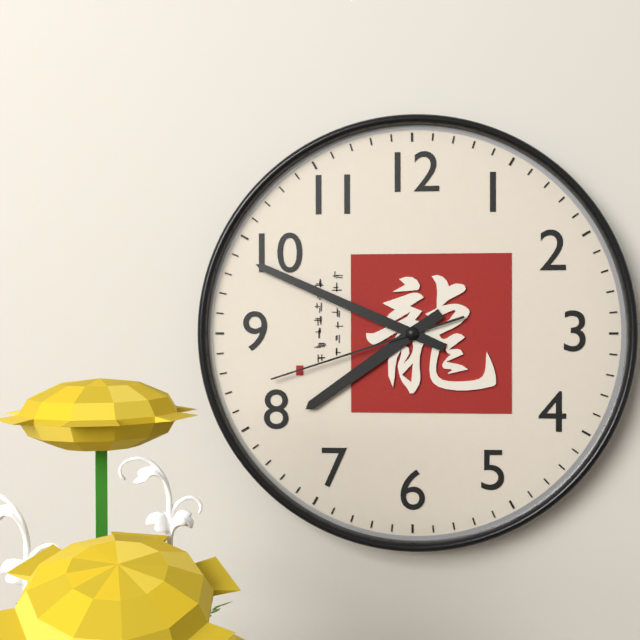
7:49:42
